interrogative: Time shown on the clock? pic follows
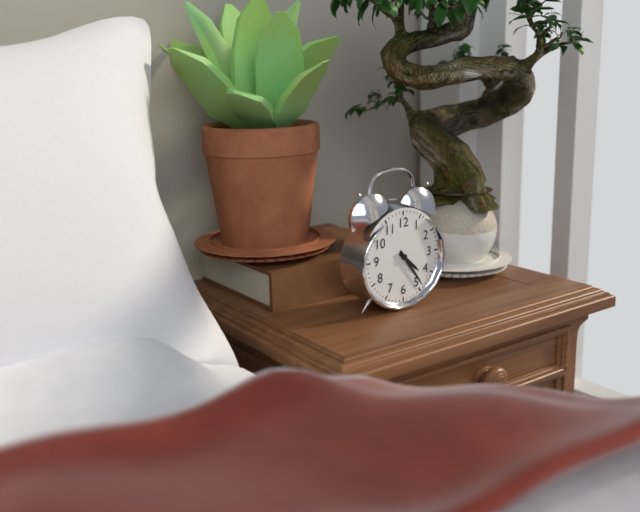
4:24
